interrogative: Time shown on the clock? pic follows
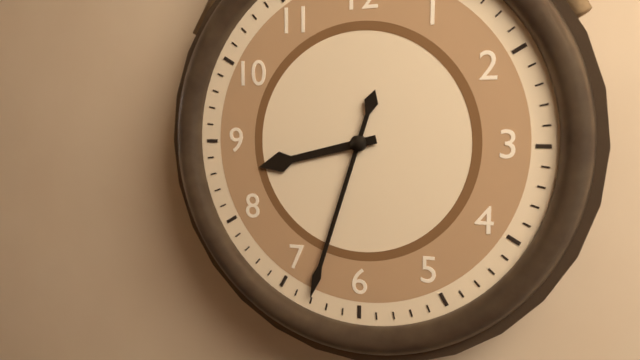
8:33
